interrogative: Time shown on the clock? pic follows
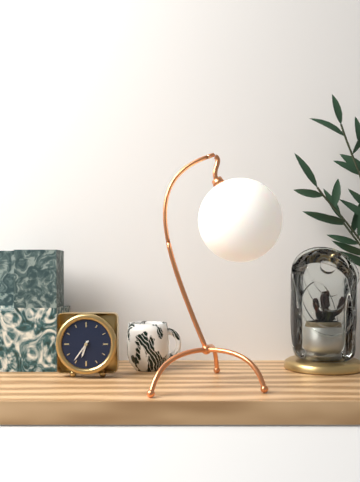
6:36
